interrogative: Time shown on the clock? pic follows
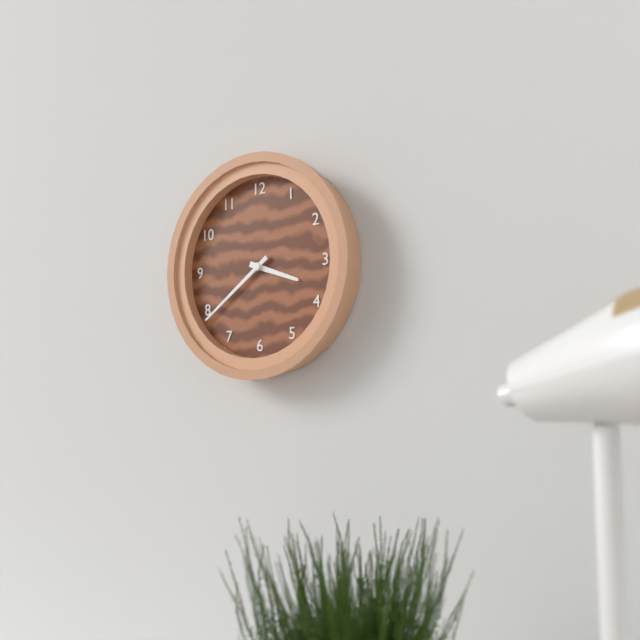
3:39
